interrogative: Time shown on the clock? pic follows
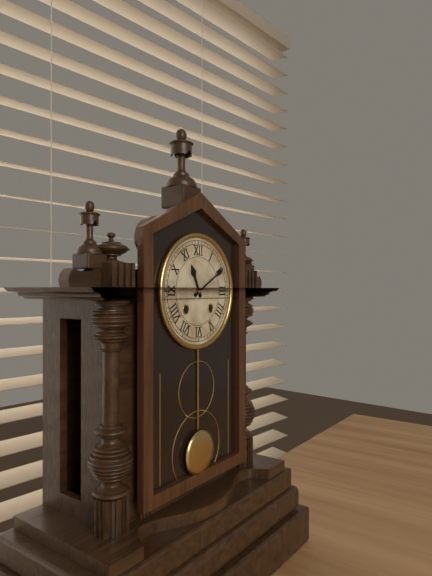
11:10
